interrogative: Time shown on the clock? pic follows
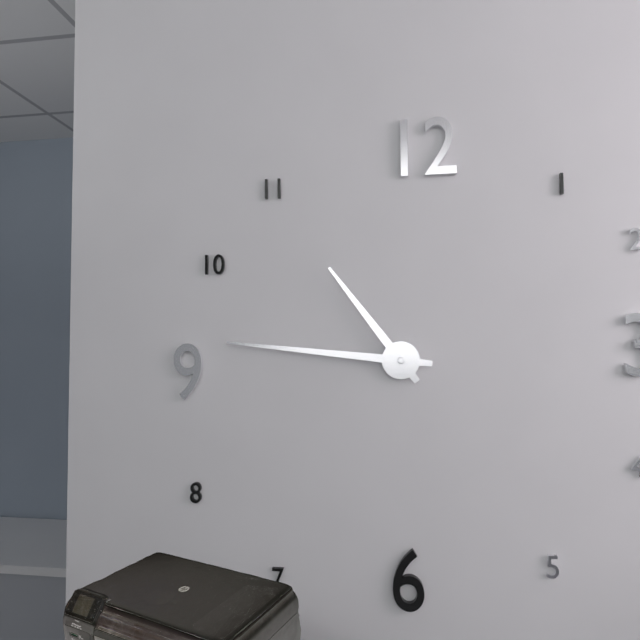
10:46
